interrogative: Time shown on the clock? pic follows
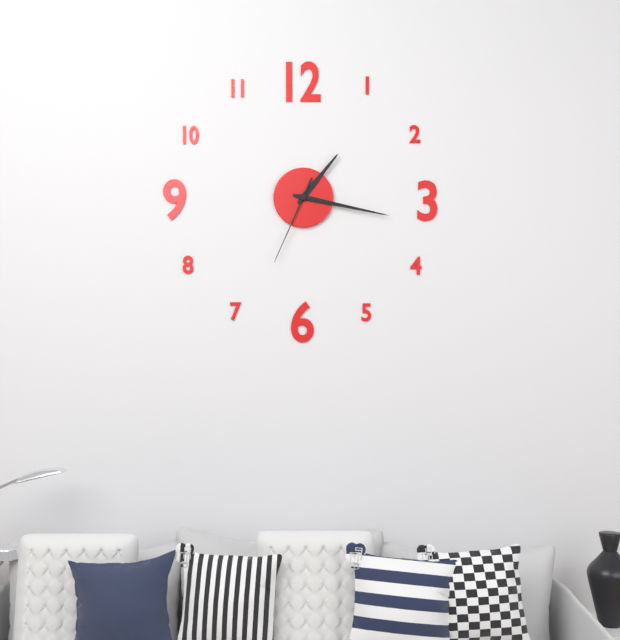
1:17:34
